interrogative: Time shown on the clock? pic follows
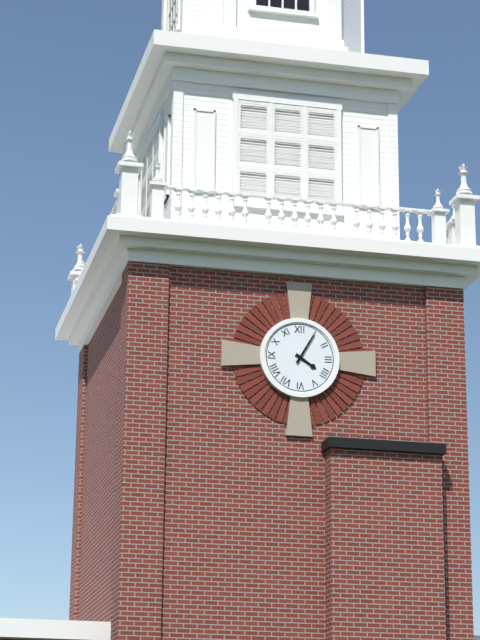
4:05
